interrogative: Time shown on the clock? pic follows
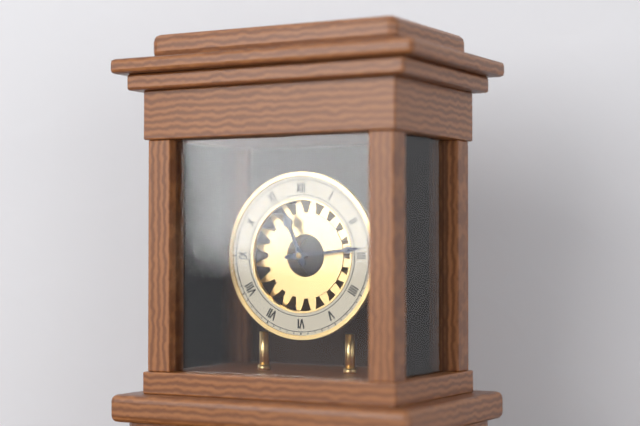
11:14
